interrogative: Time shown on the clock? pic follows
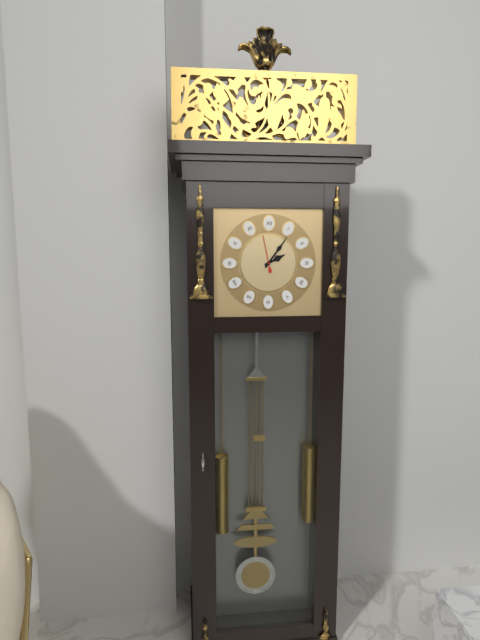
2:06
